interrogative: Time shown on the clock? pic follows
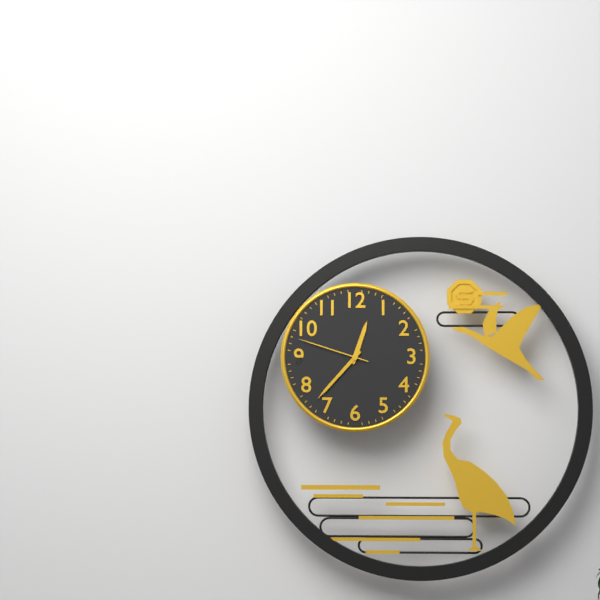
12:37:48
